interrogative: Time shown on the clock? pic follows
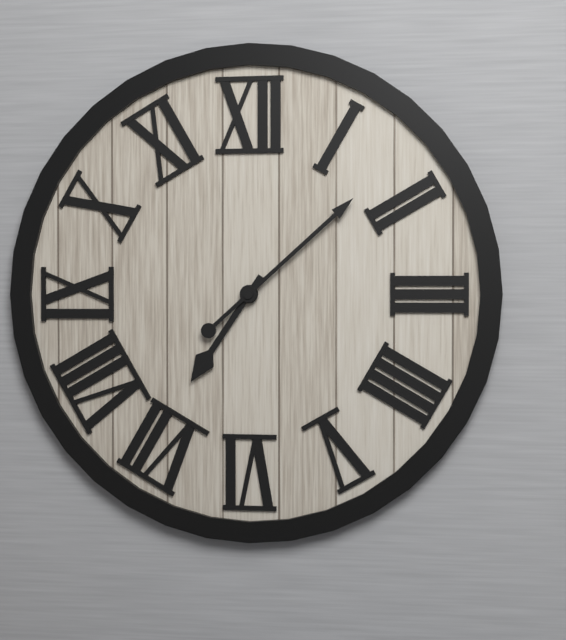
7:08
